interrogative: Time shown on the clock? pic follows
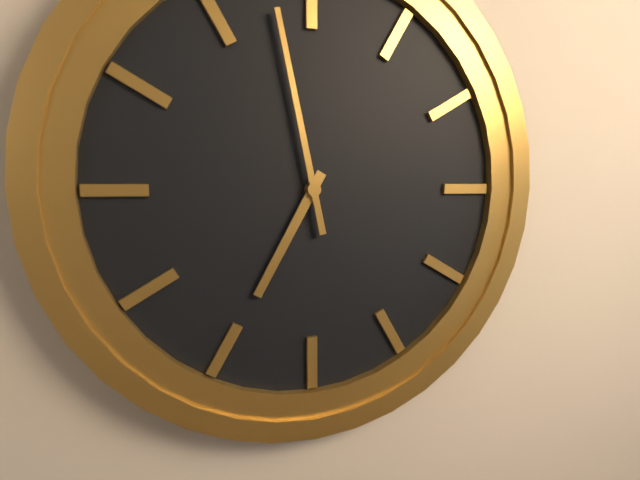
6:58
